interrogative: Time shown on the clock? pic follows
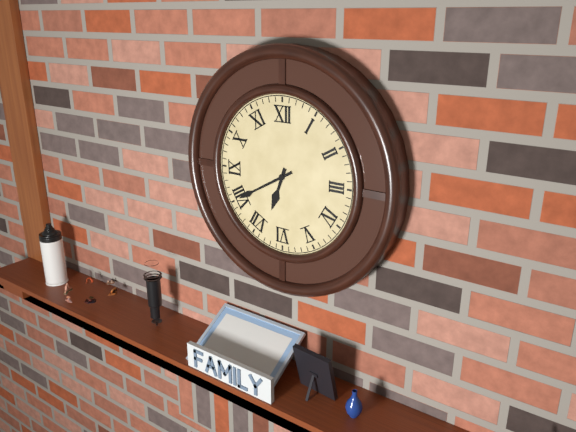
6:40
